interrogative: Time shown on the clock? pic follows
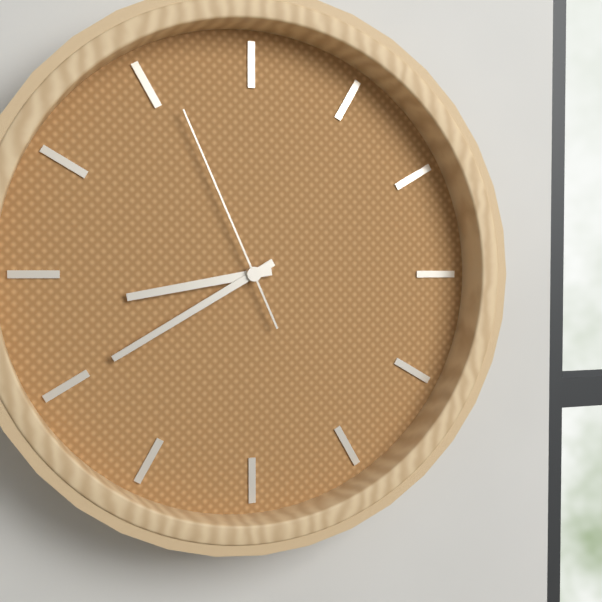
8:40:56
